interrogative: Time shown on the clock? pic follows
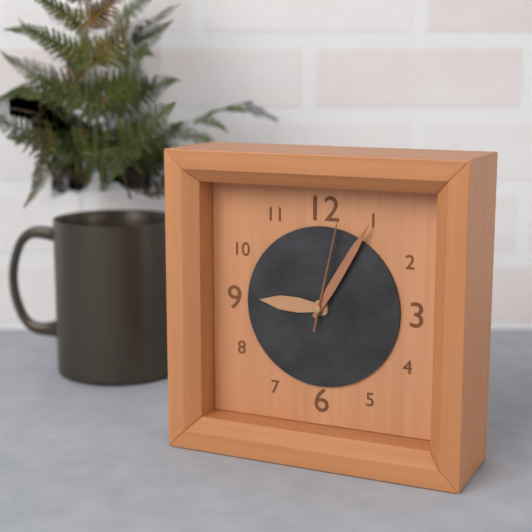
9:05:02
